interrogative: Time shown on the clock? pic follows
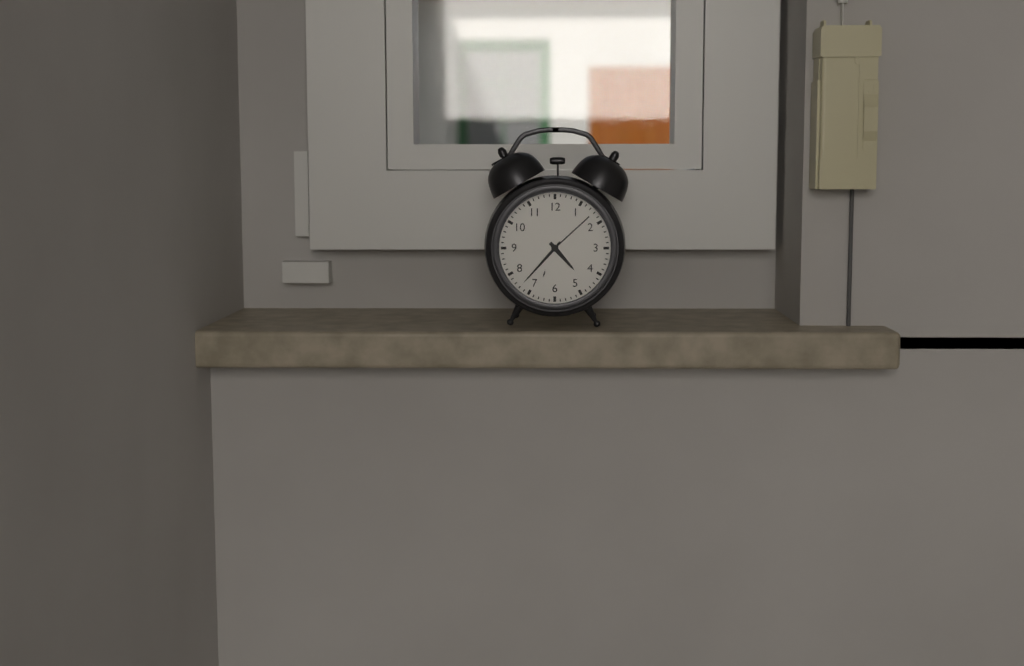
4:37
